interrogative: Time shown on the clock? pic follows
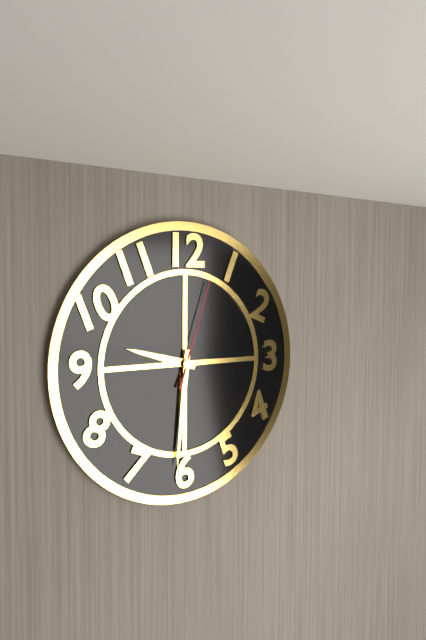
9:31:03
